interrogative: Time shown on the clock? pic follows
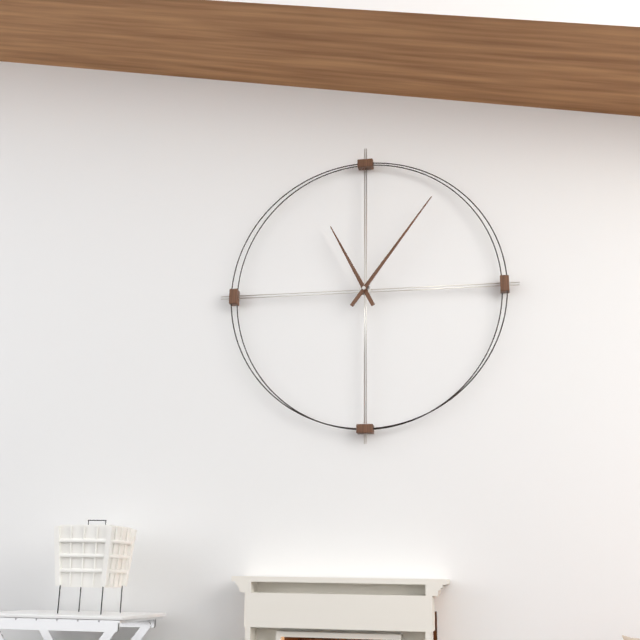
11:06
